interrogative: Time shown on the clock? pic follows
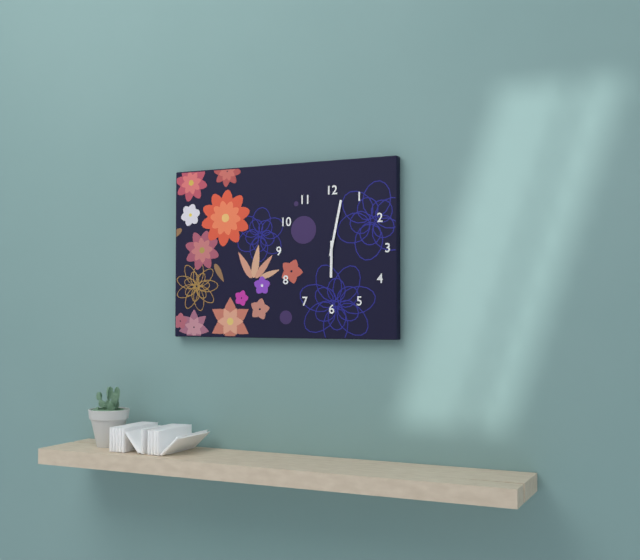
6:02
